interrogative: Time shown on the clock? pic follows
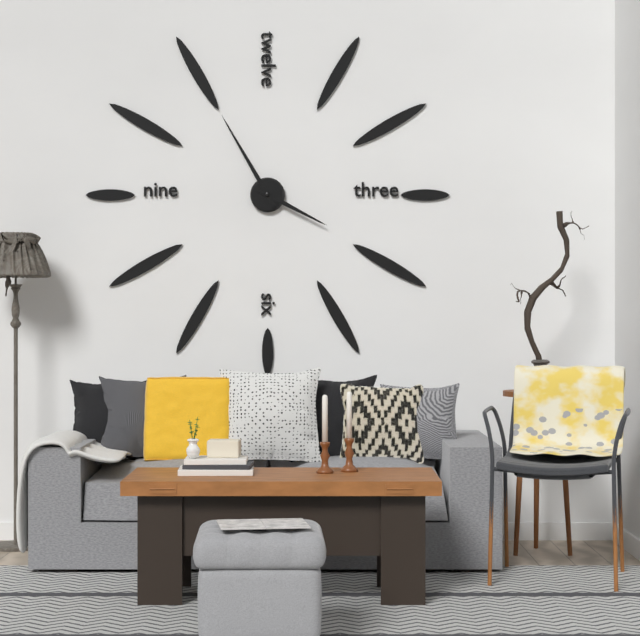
3:55
